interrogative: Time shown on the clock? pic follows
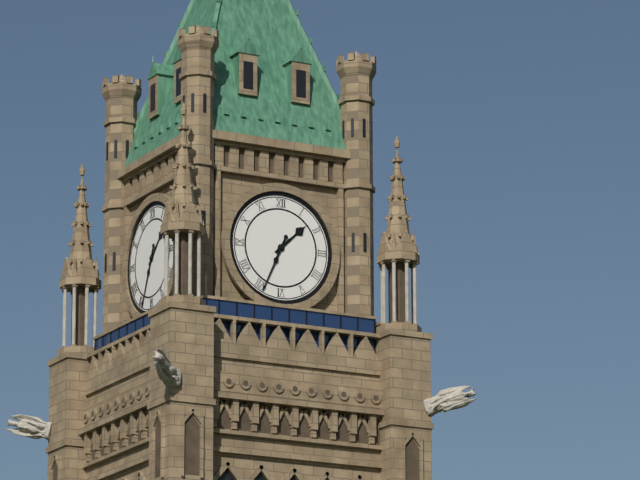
1:34
